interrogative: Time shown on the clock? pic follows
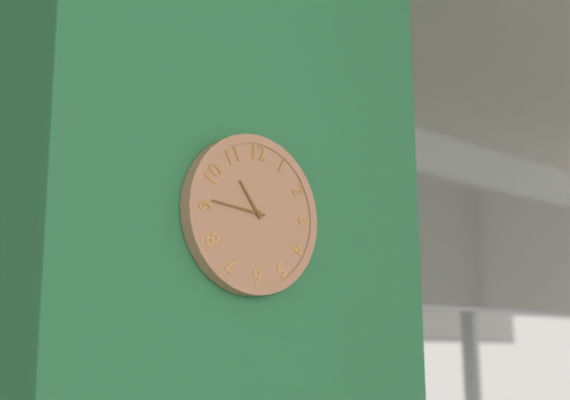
10:46
